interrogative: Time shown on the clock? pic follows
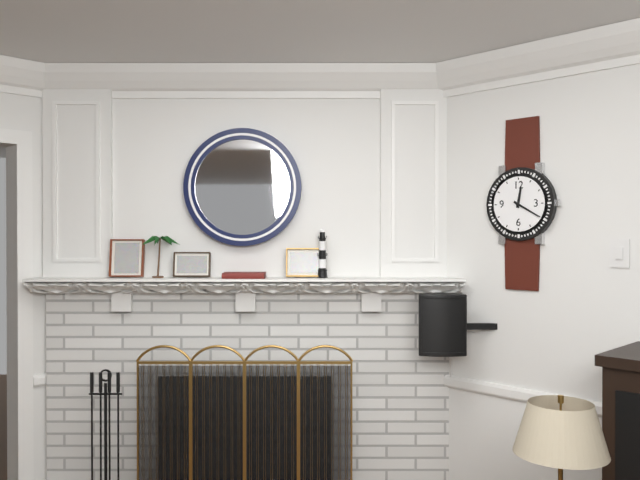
12:20
